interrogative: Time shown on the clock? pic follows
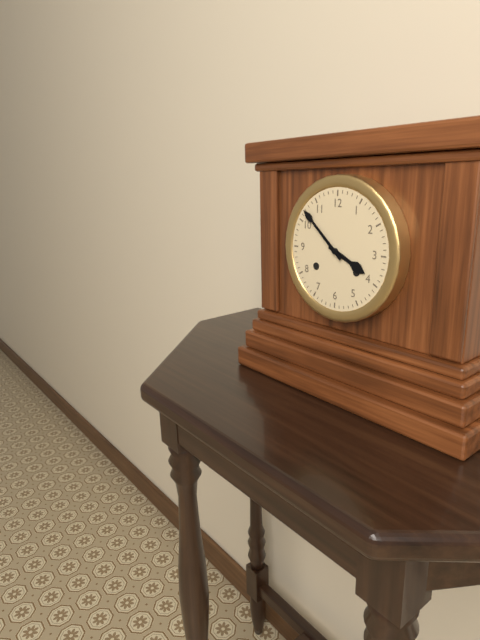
3:52
